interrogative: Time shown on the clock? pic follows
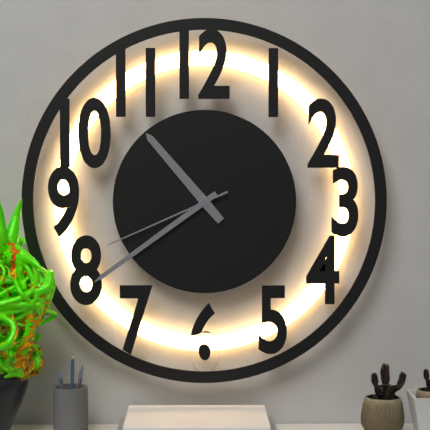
10:39:41
